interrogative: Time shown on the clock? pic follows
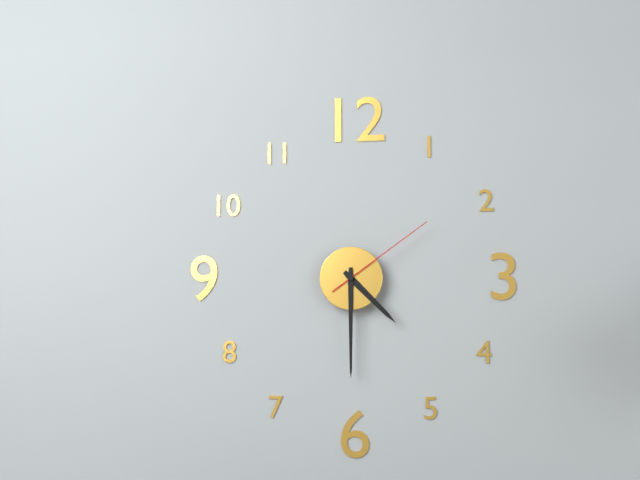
4:30:09
